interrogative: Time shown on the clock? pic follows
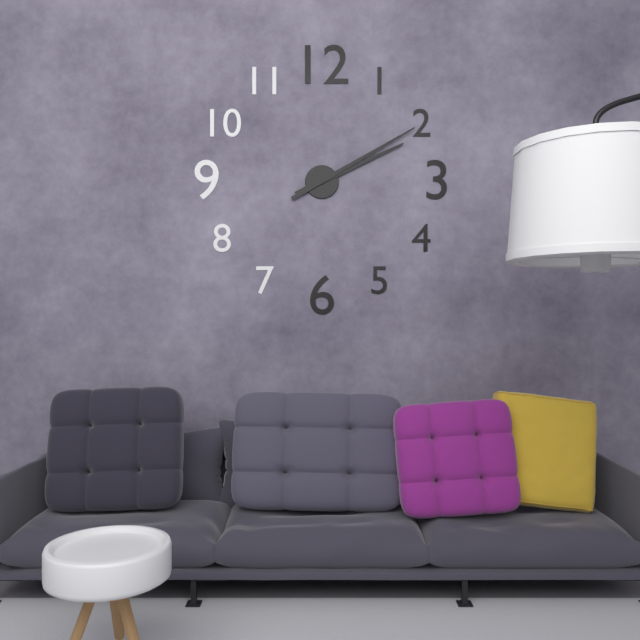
2:10
